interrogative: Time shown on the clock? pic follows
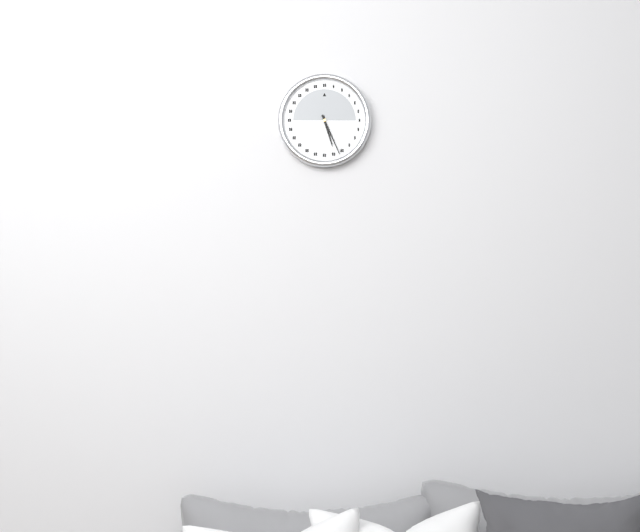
5:26
